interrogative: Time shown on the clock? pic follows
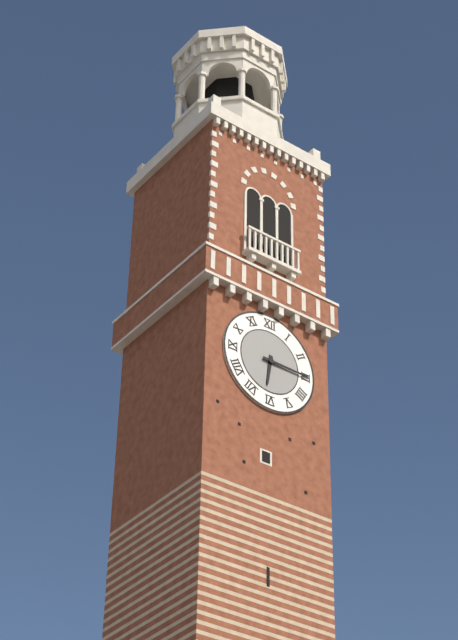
6:15
